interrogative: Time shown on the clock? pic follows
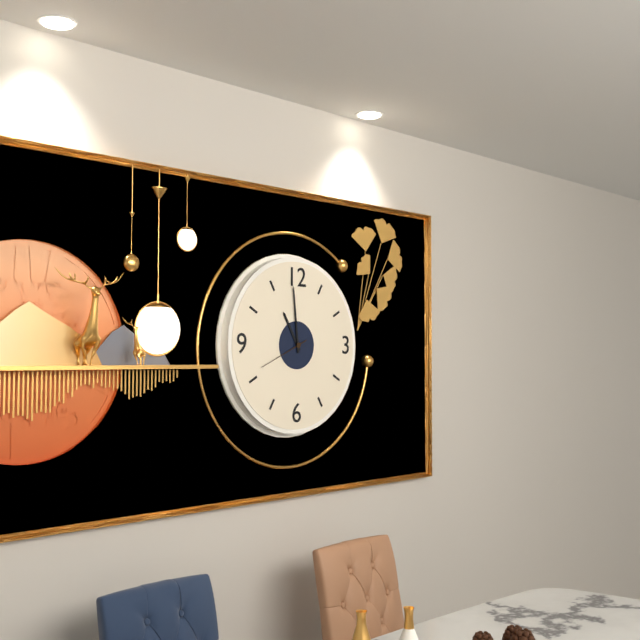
10:59:41
